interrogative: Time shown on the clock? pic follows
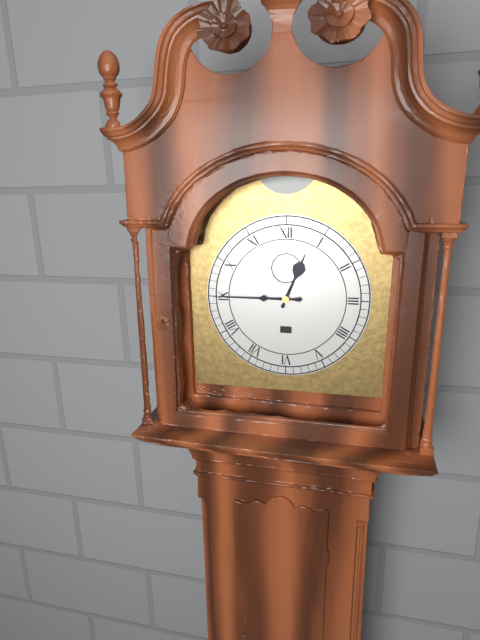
12:45
